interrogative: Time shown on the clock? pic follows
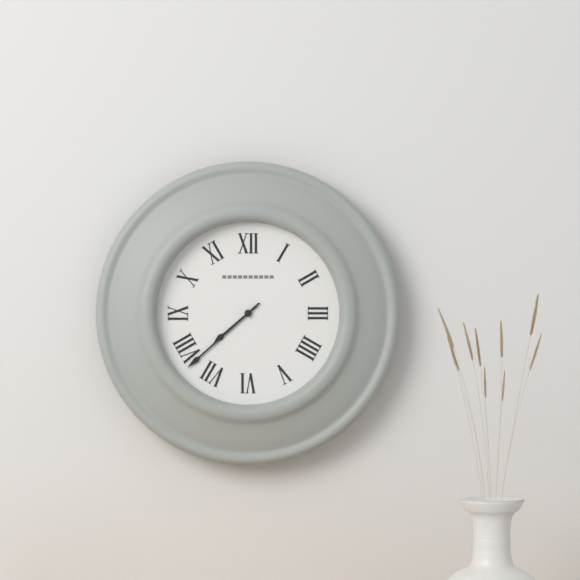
7:38
